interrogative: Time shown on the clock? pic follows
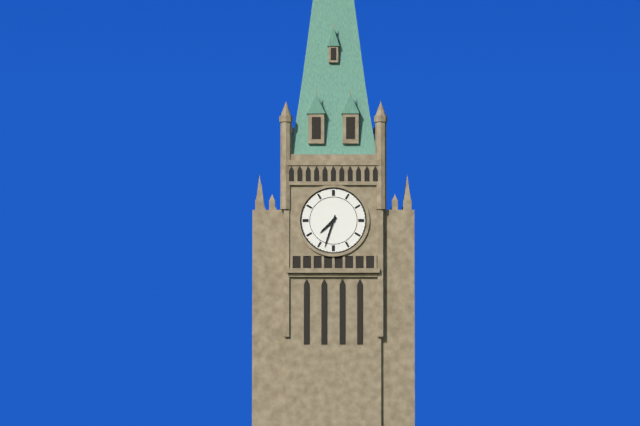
7:33
